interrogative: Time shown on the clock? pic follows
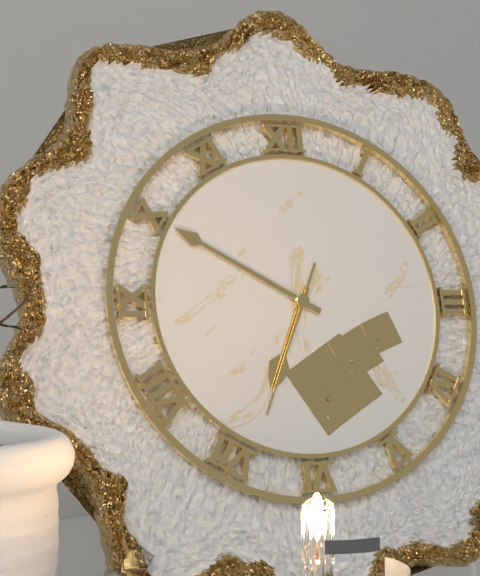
6:50:34
